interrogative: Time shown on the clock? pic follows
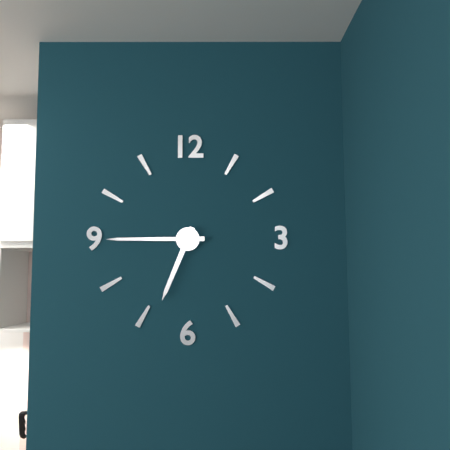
6:45
